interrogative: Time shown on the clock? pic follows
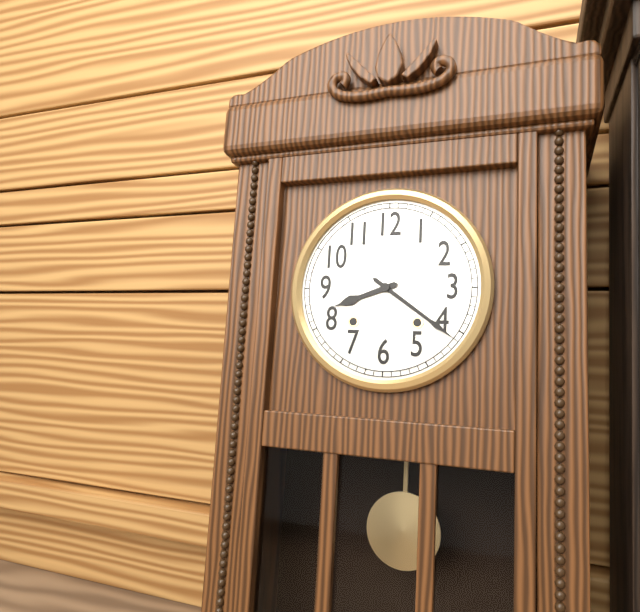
8:21
